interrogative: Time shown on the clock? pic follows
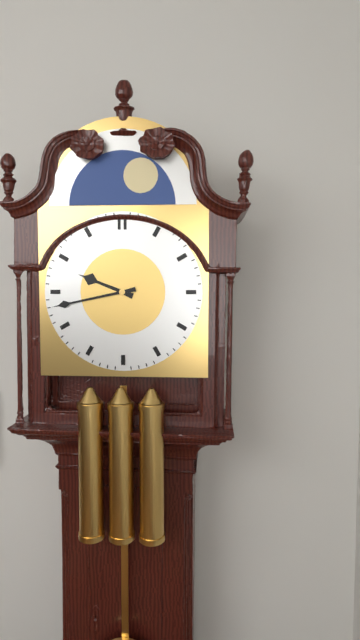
9:43
